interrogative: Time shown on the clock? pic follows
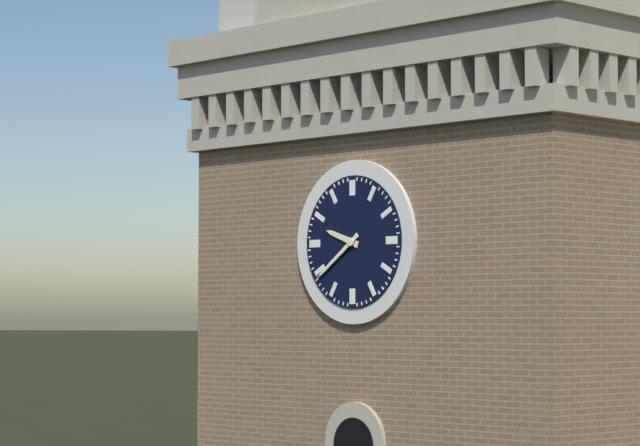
9:39
